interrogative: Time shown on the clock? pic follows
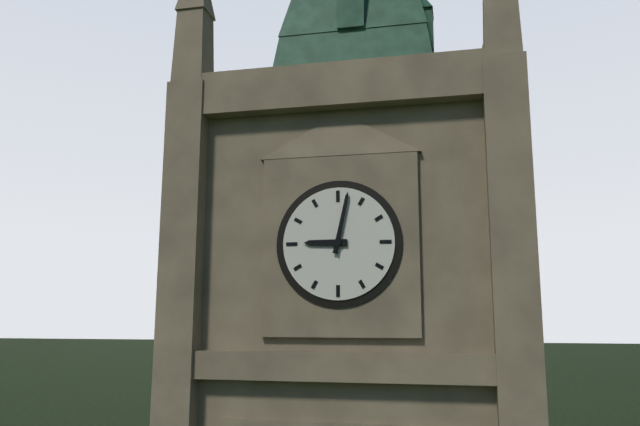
9:02
